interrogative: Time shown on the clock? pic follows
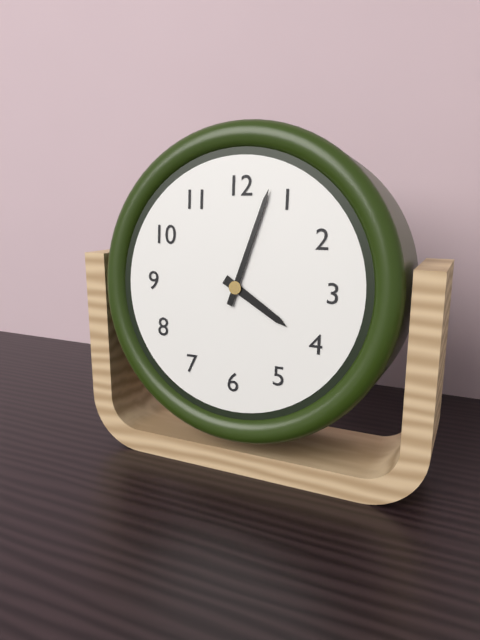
4:03
